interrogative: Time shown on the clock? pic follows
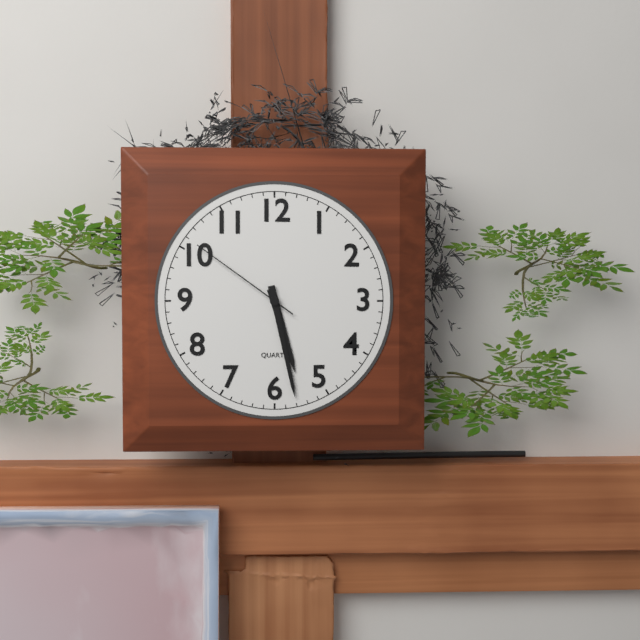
5:28:51
